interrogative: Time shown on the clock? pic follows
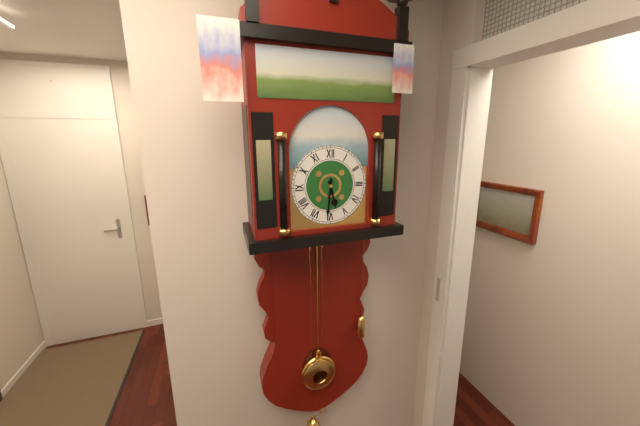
5:31
